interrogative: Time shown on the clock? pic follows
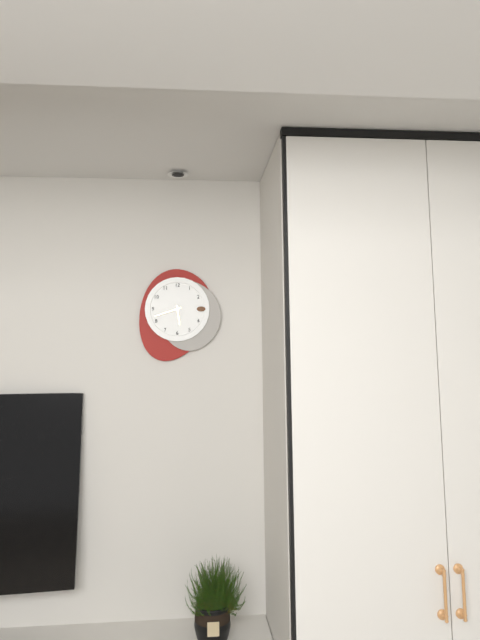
5:42
